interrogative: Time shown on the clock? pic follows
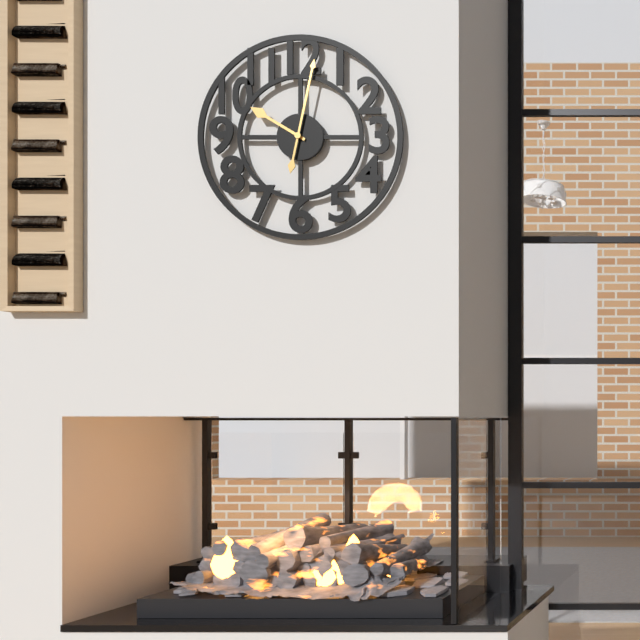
10:02
